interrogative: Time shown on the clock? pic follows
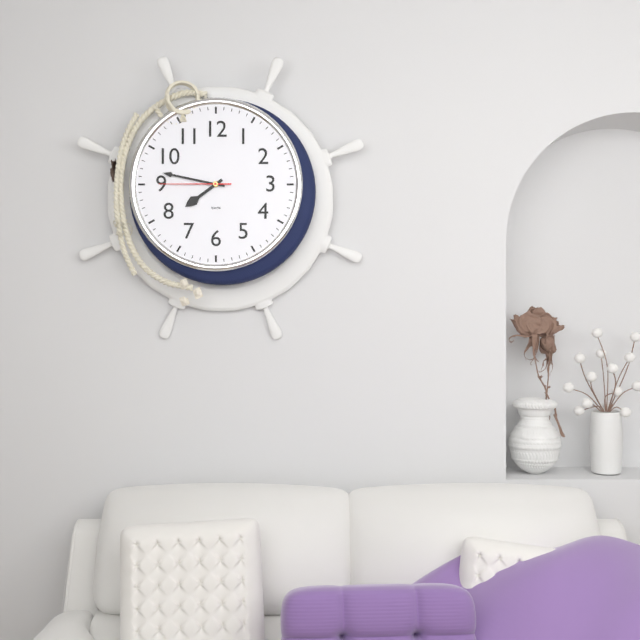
7:47:45
